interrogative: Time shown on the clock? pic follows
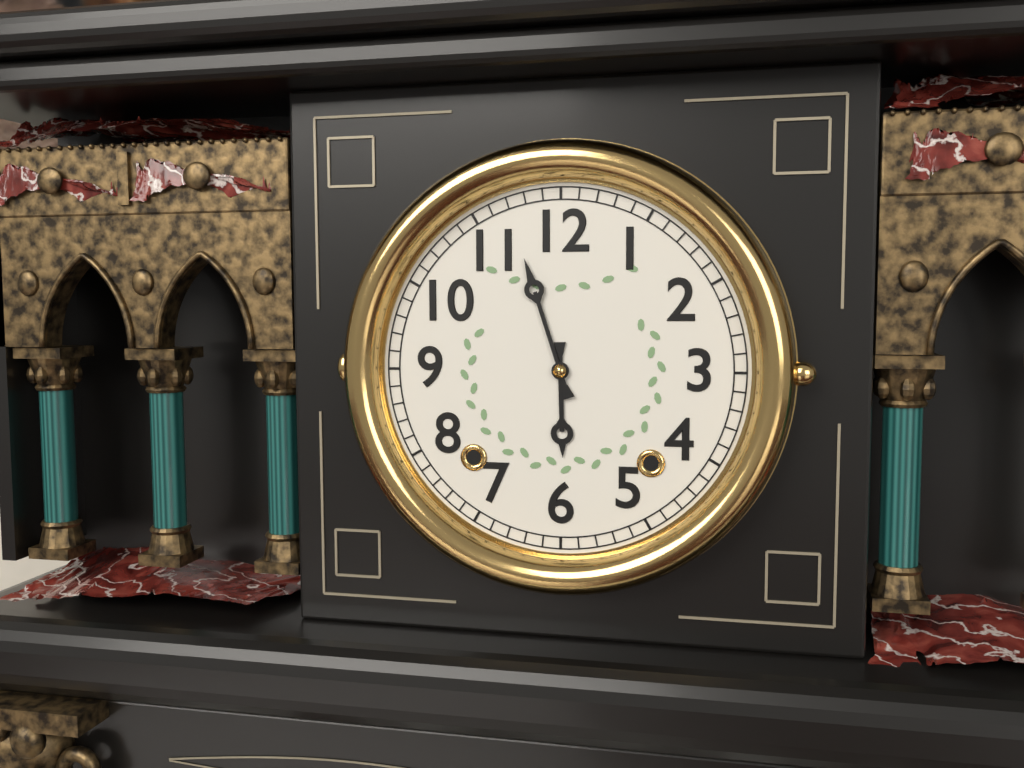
5:57
